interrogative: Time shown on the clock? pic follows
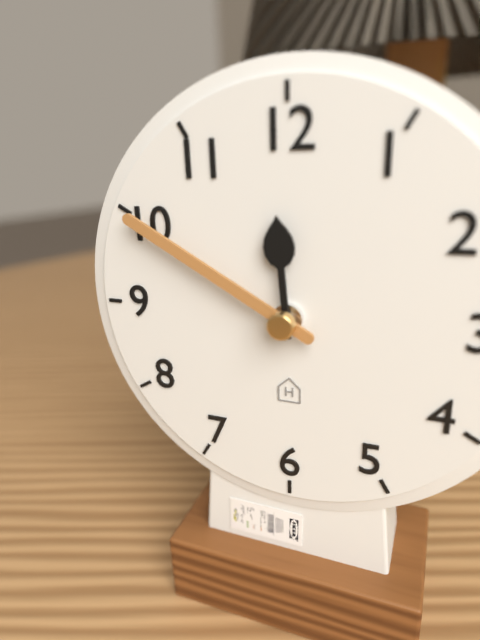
11:50
